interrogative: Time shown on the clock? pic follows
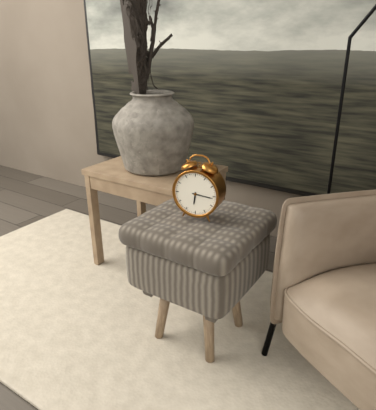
6:16
